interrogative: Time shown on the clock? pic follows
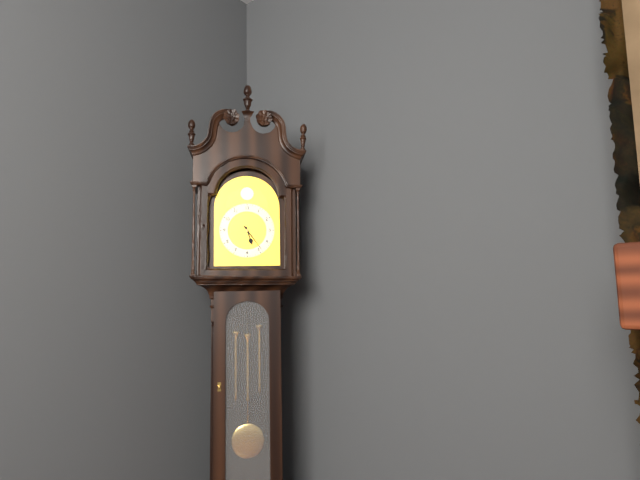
5:24
